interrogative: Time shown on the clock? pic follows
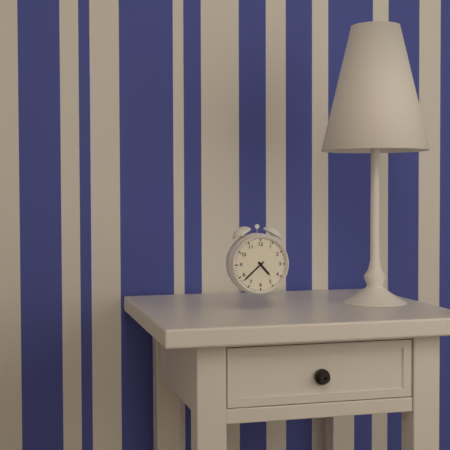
4:38
